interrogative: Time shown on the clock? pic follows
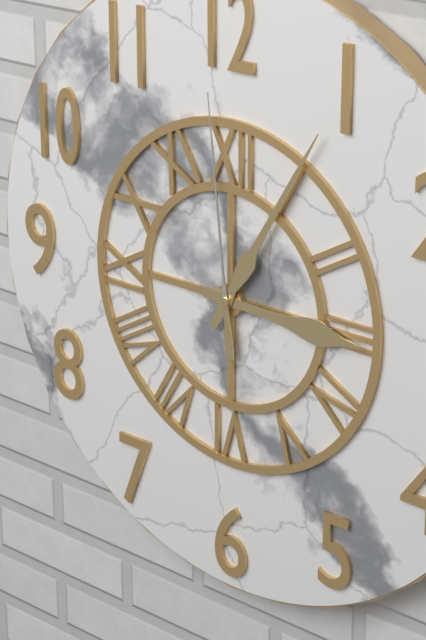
3:05:59
